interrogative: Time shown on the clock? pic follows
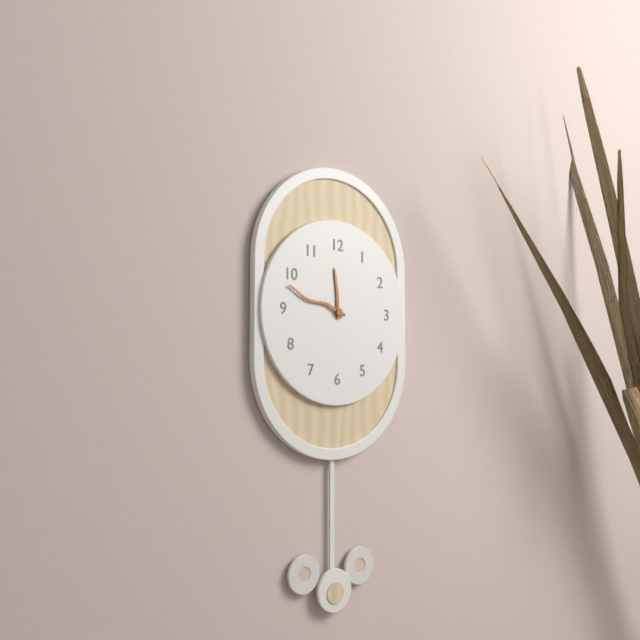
11:48
